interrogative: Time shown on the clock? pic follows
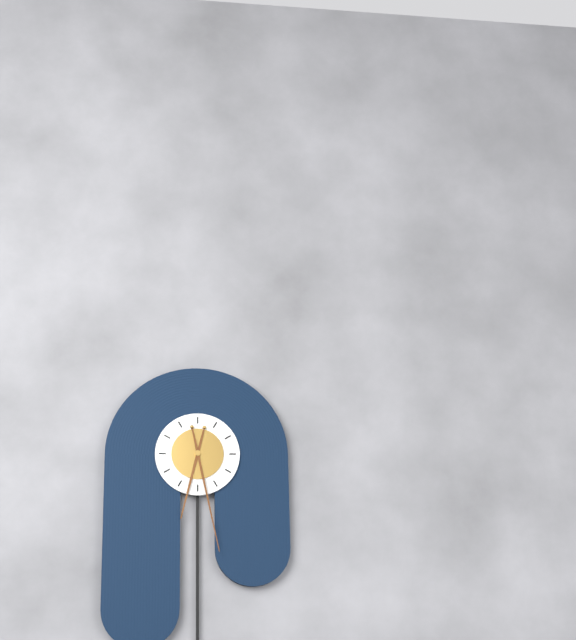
6:28
